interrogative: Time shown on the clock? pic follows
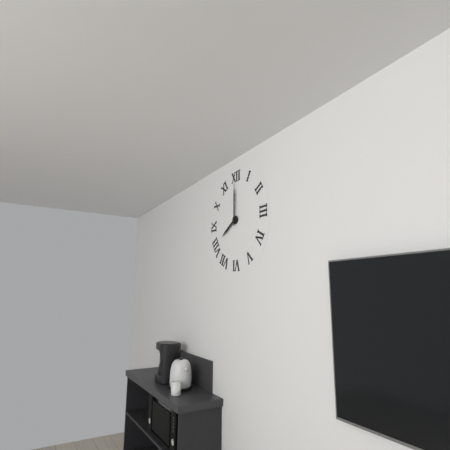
8:00
